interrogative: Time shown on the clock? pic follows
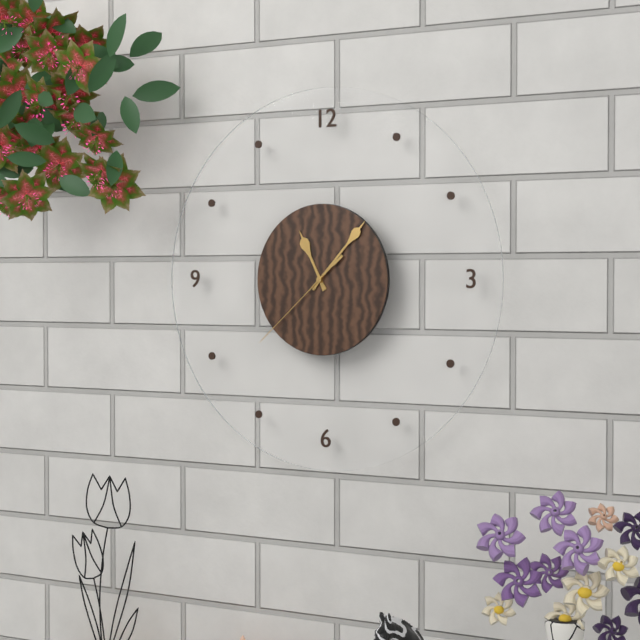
11:07:38
